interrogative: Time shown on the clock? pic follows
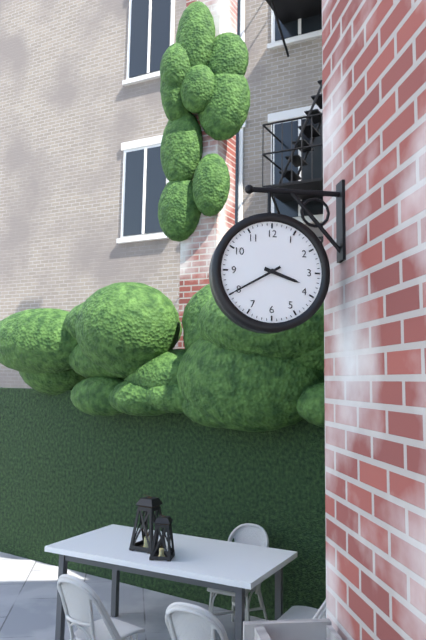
3:40
